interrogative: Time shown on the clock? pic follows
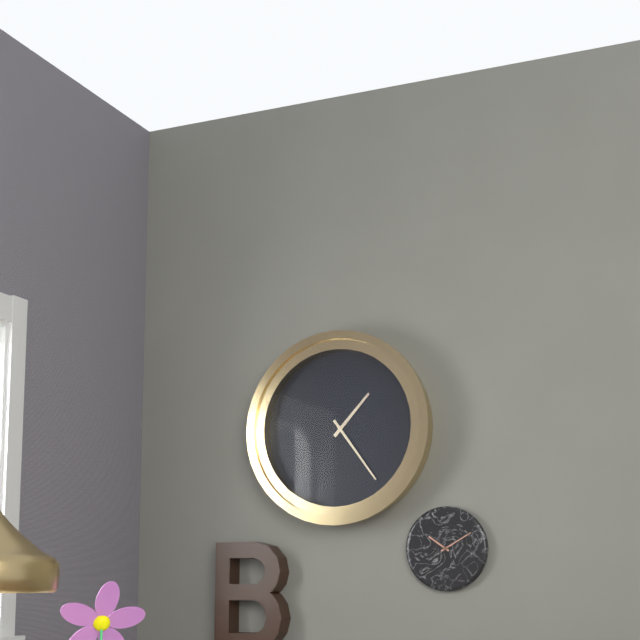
1:24
